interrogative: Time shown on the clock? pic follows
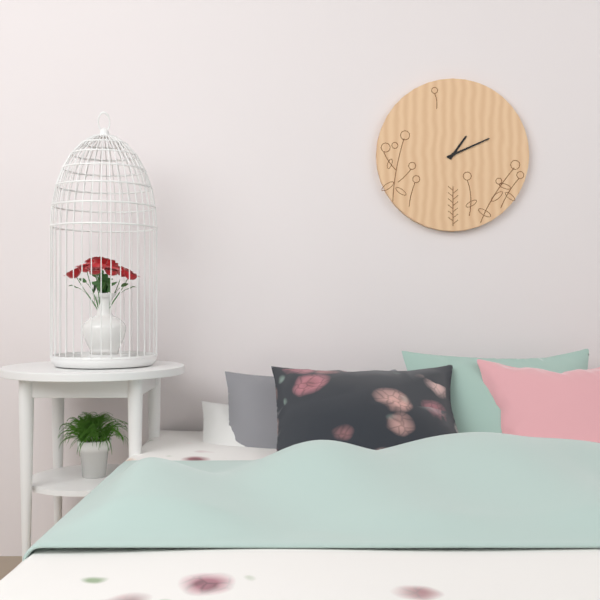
1:11
